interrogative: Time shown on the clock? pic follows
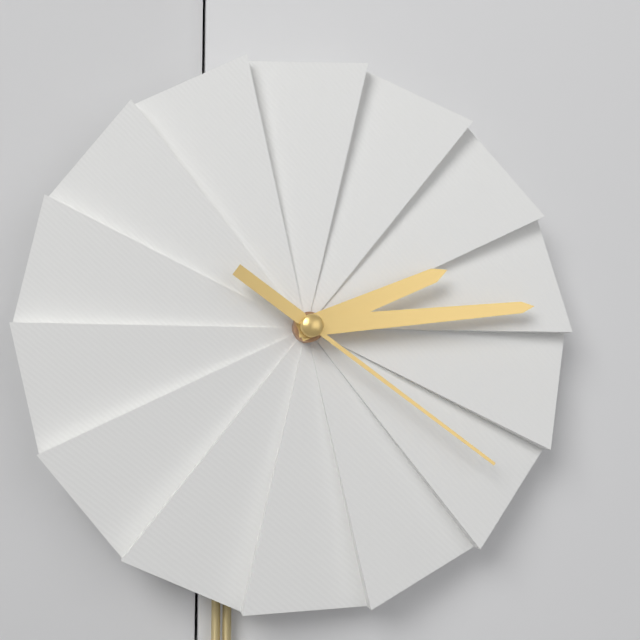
2:14:21
